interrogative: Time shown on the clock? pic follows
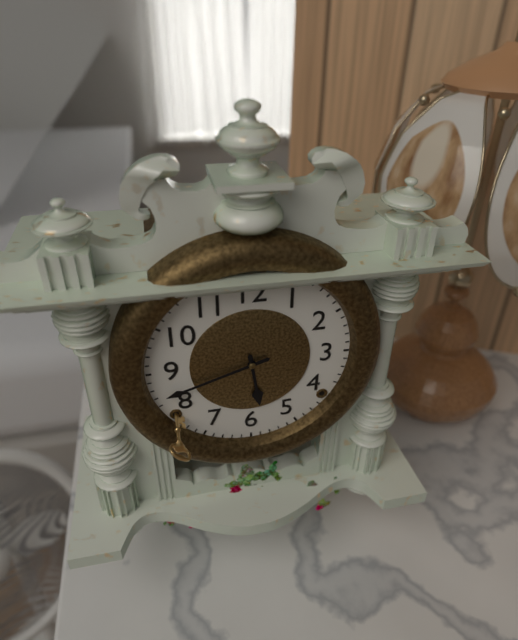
5:42
